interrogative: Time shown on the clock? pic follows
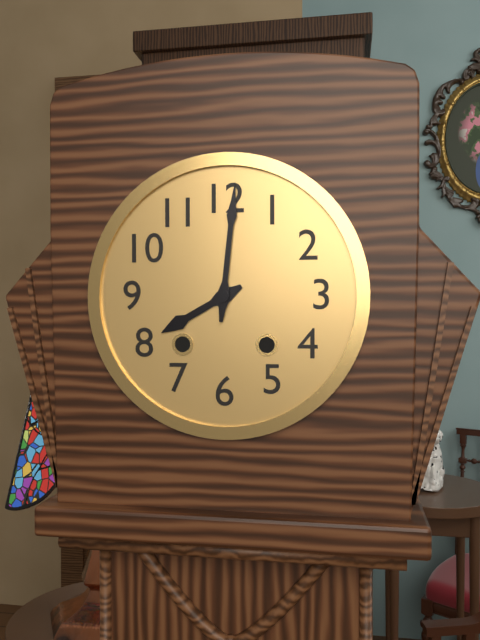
8:01
